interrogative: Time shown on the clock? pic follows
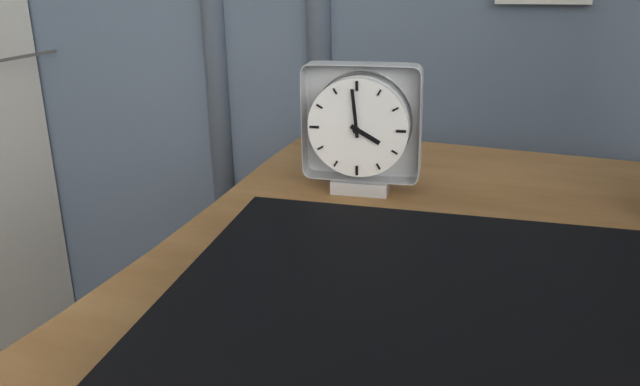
3:59
